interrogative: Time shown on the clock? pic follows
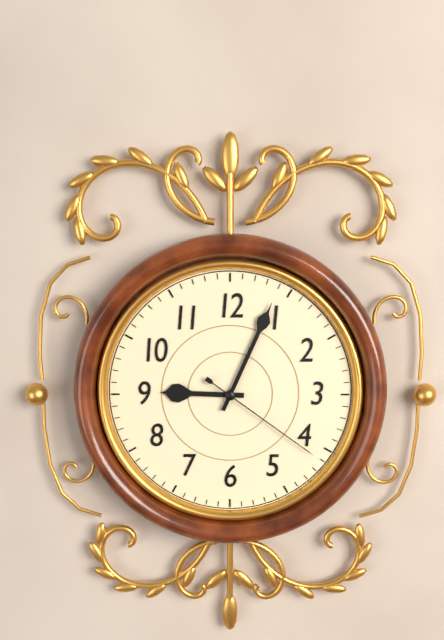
9:04:21
